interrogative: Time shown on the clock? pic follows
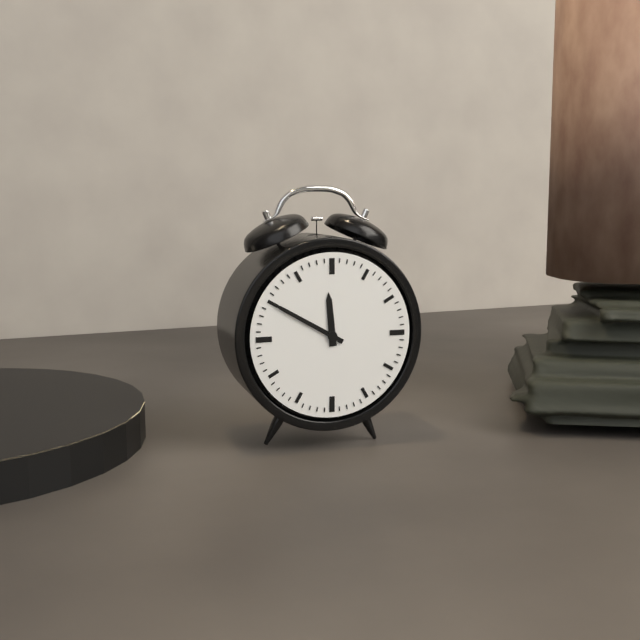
11:50
